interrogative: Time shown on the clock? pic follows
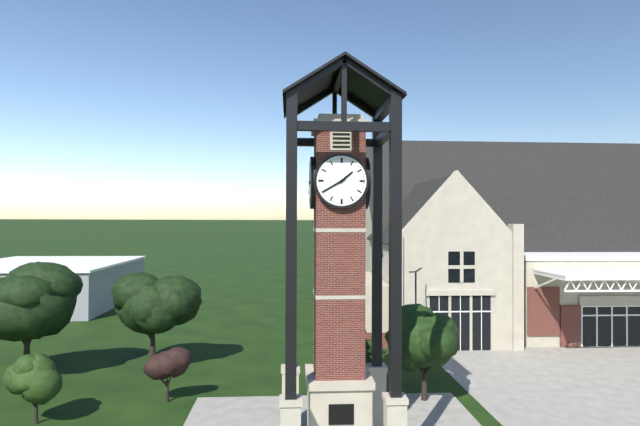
1:40
